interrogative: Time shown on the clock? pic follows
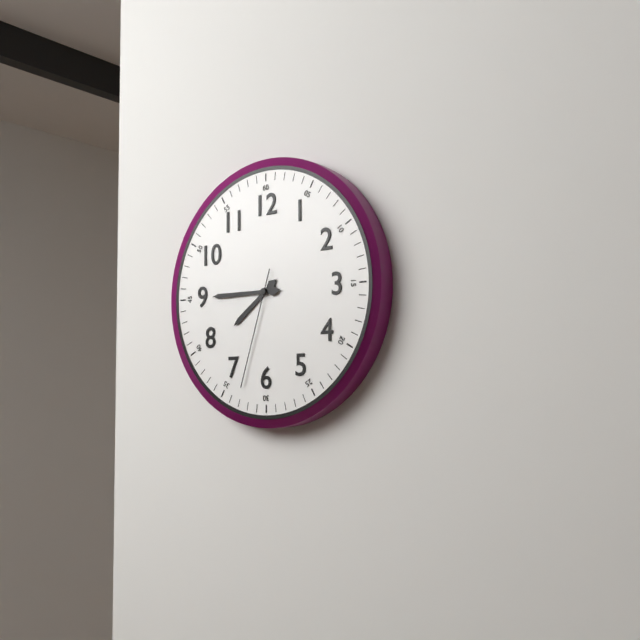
7:45:33
